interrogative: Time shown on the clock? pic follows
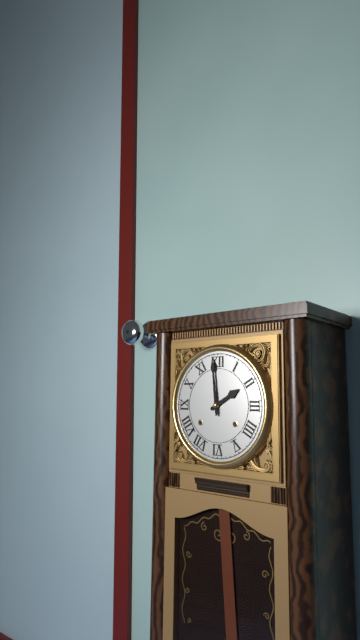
1:59
